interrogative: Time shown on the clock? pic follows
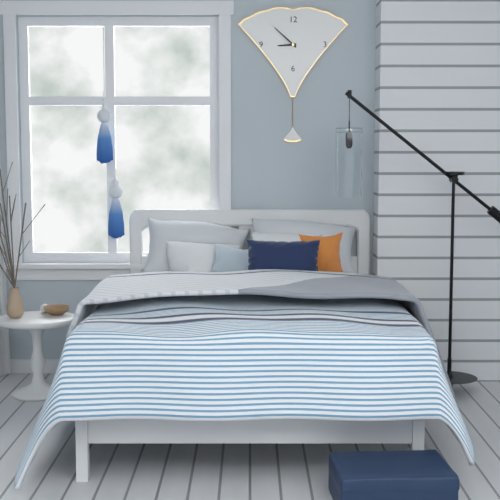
8:52
